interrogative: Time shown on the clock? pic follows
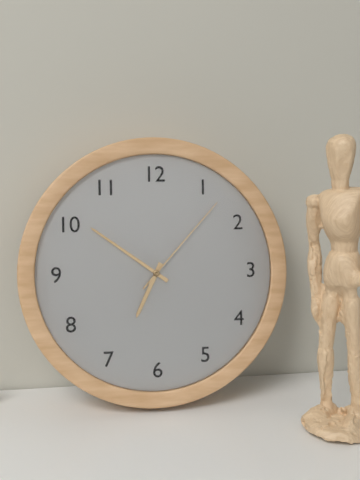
6:51:07
